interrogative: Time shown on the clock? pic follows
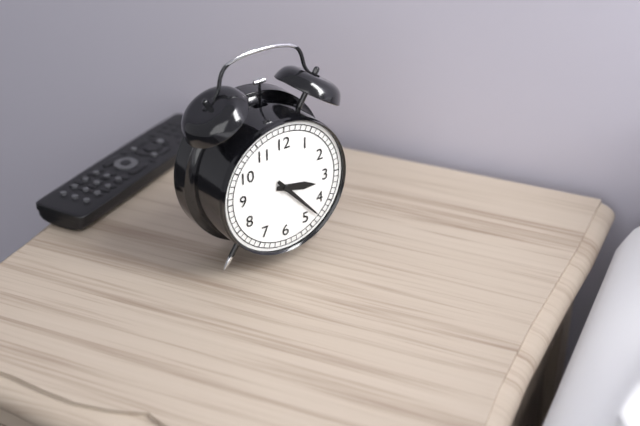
3:23
